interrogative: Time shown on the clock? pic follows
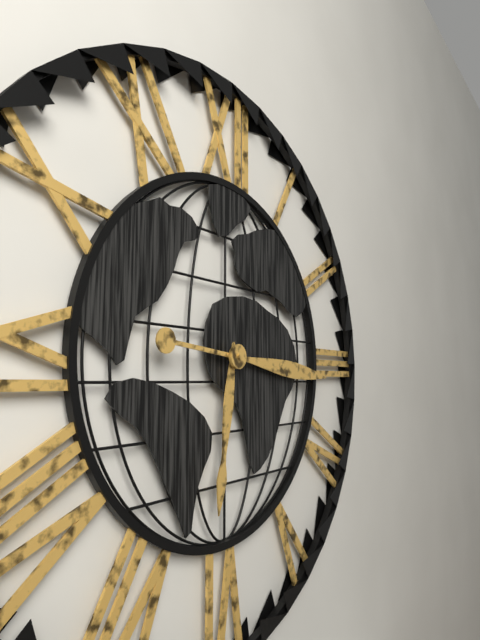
6:16
